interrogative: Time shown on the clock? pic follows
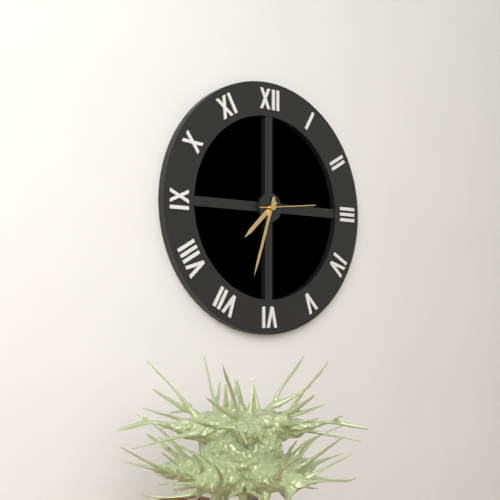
7:33:14
